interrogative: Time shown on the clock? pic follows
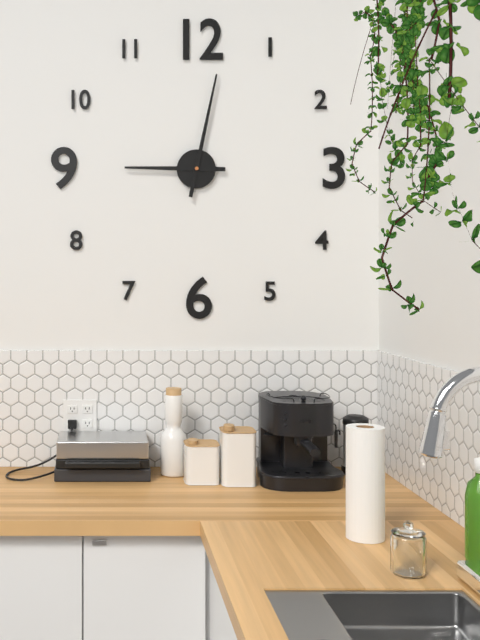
9:02
